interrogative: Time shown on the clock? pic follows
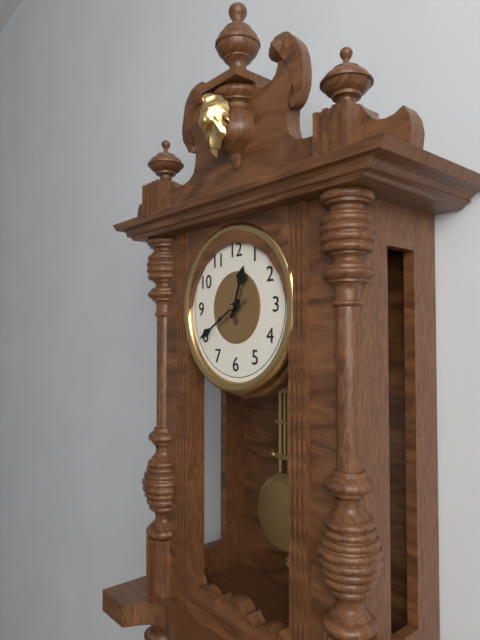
12:40
